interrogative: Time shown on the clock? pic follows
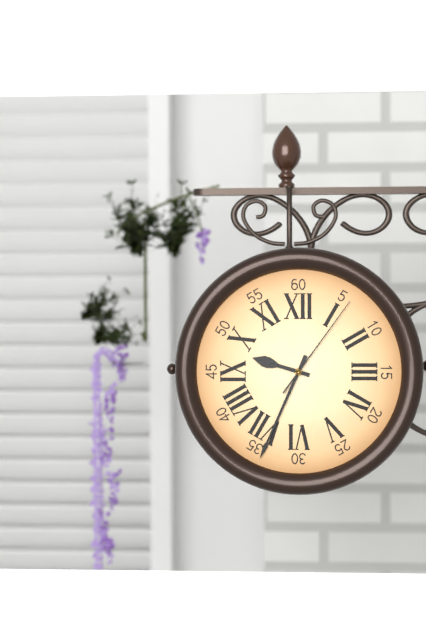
9:34:06
